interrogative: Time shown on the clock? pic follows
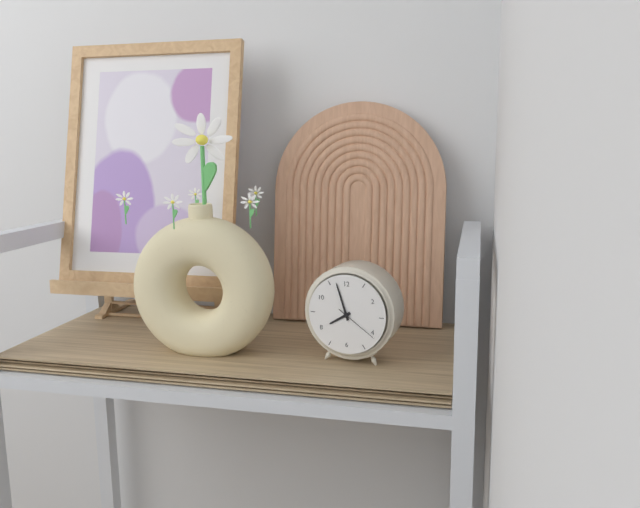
7:57
